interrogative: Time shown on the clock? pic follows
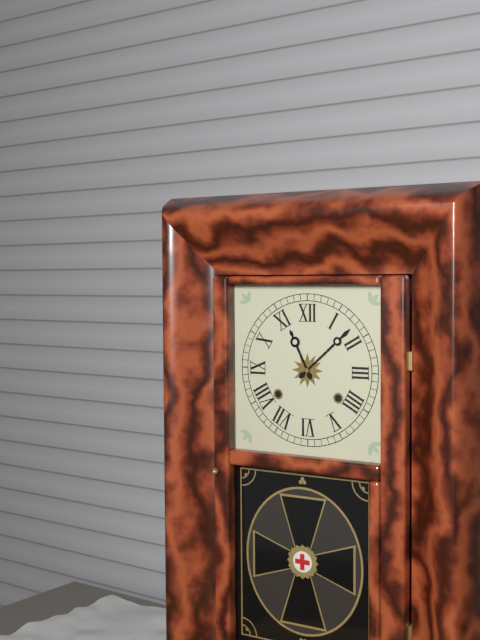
11:08
